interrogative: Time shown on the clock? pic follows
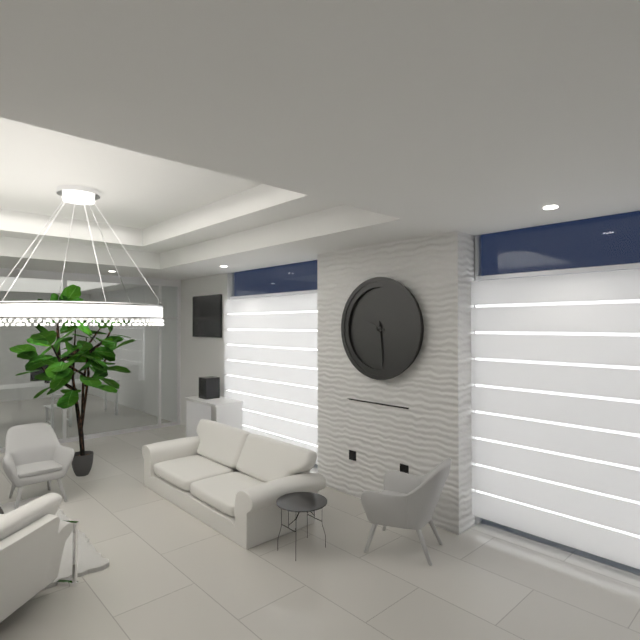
9:29
